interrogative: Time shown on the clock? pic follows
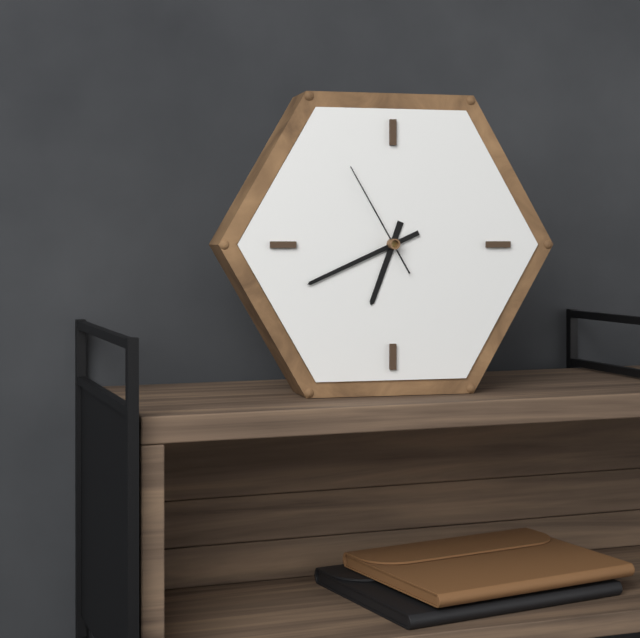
6:41:55
